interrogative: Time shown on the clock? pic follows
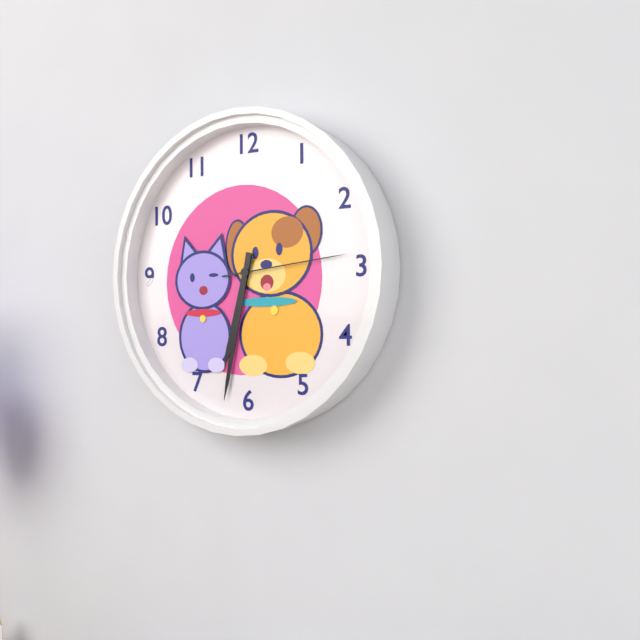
6:32:14
